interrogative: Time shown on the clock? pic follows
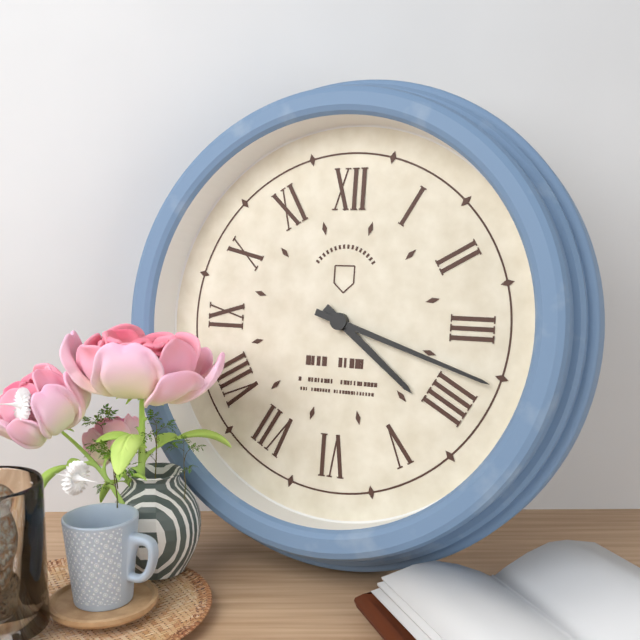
4:18
